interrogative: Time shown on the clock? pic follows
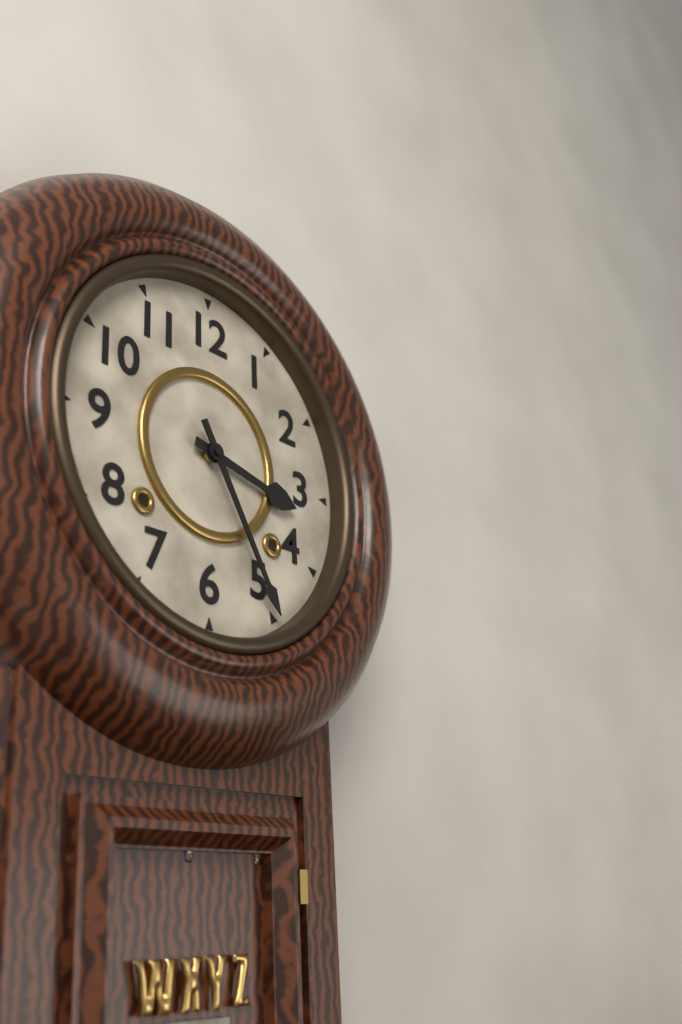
3:25
